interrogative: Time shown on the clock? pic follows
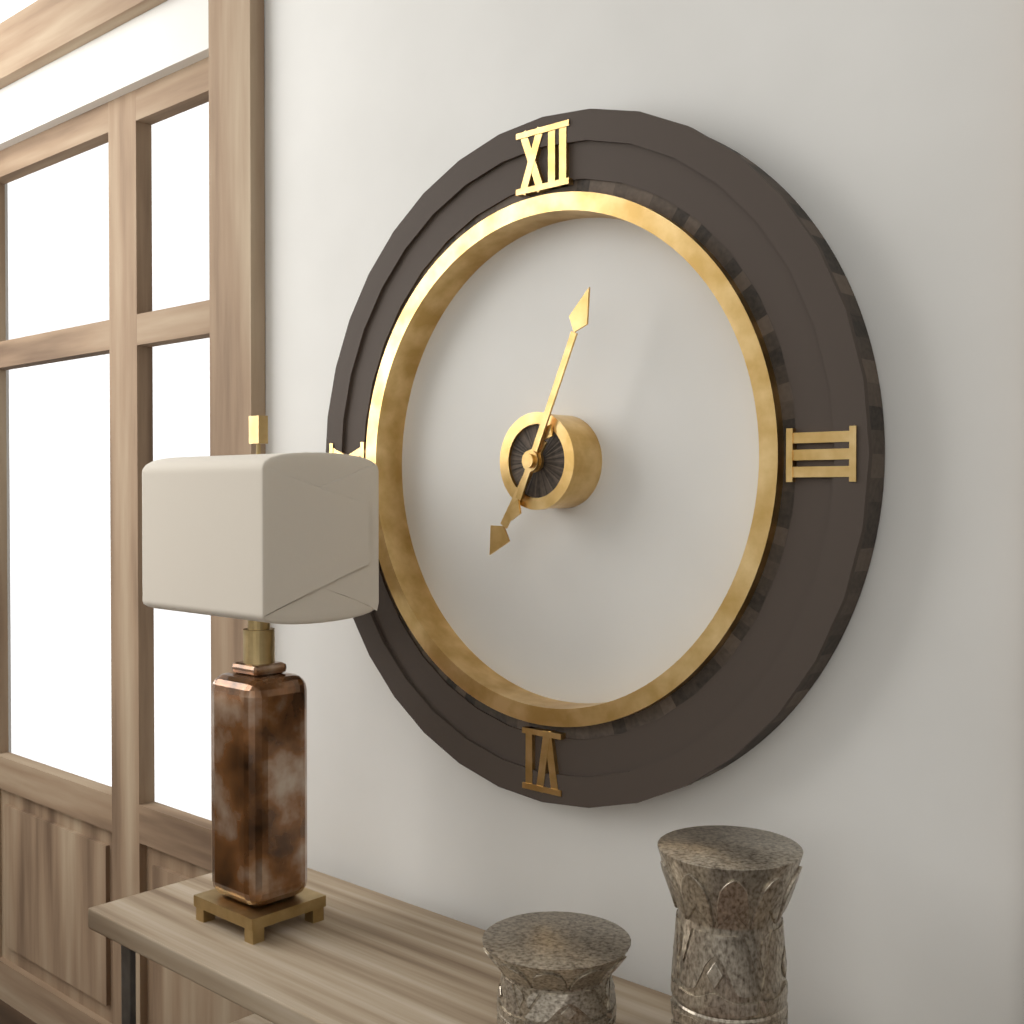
7:04
